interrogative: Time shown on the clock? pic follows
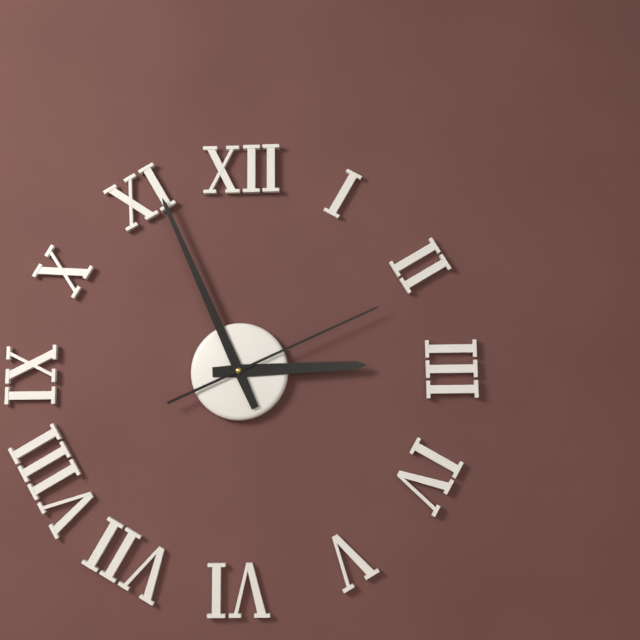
2:56:11
